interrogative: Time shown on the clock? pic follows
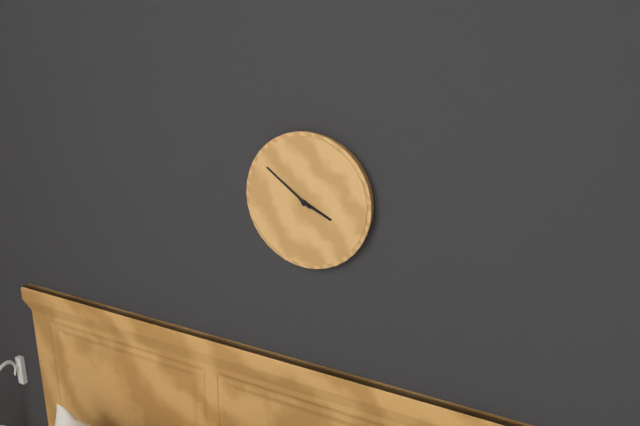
3:51
